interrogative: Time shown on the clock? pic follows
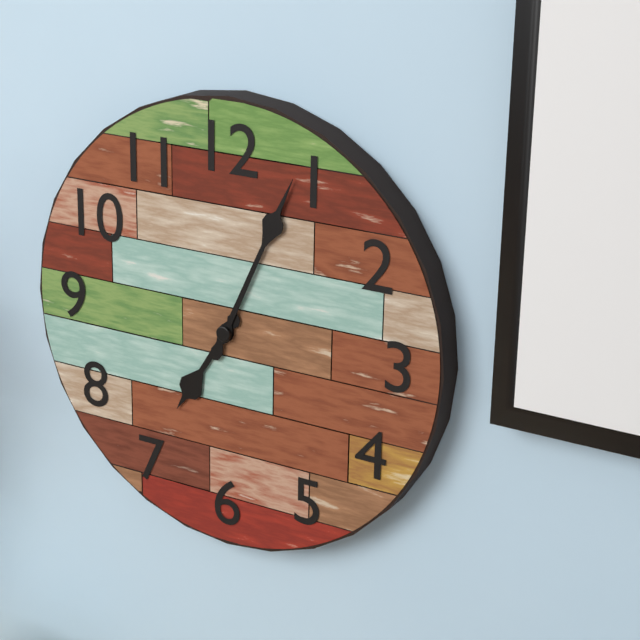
7:04
